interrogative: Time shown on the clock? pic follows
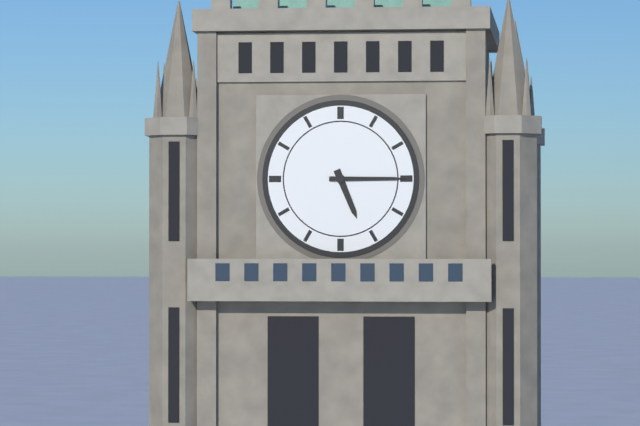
5:15
